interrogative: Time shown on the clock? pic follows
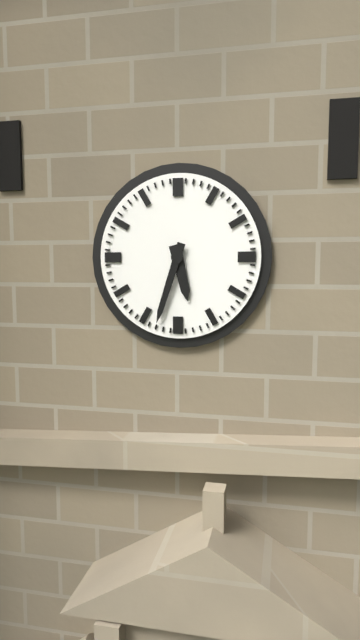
5:33
